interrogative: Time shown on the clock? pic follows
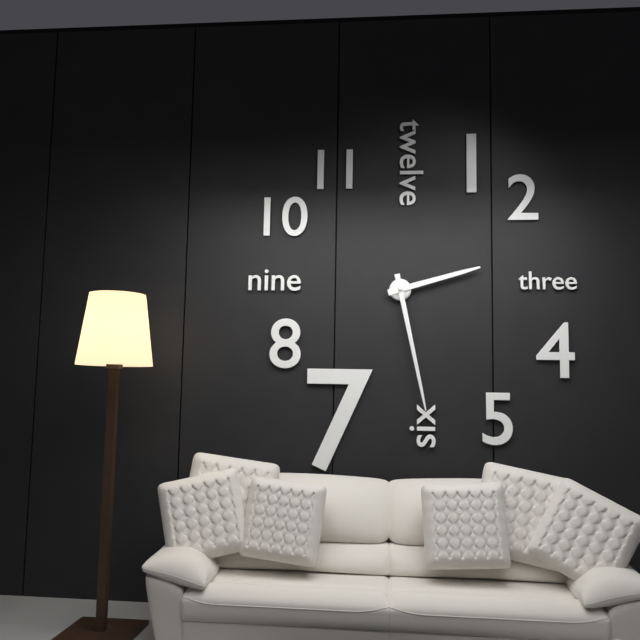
2:28
